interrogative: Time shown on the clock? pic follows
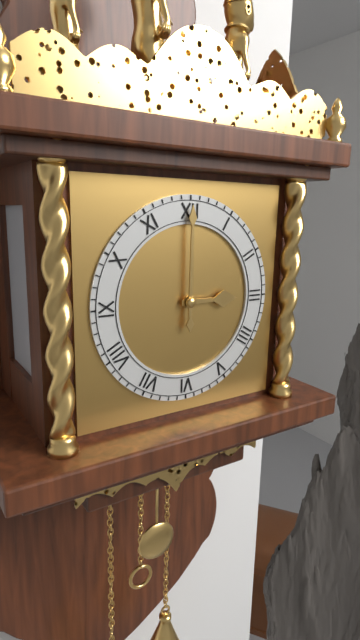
3:00
